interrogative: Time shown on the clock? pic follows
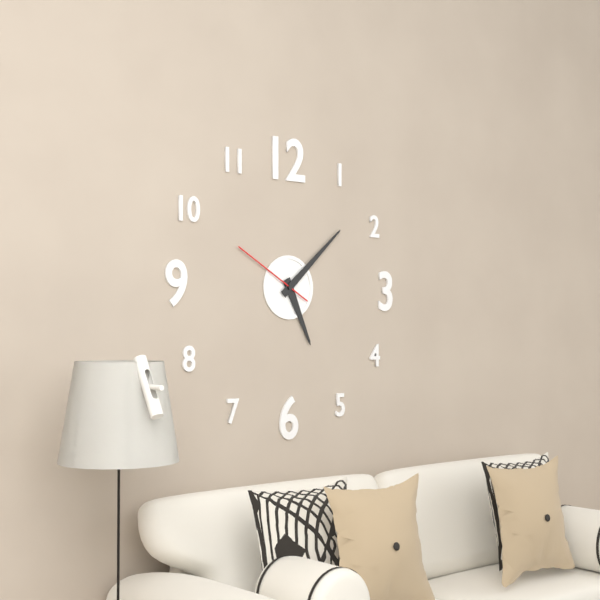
5:08:50
